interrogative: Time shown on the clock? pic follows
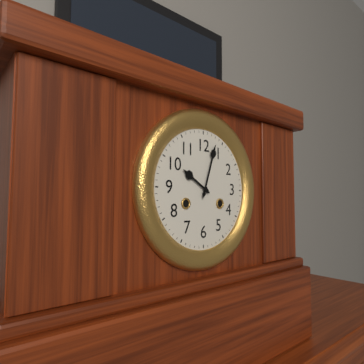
10:03
